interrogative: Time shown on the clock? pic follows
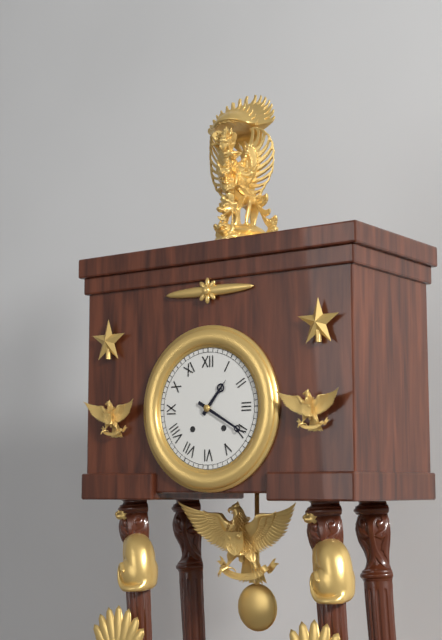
1:20
